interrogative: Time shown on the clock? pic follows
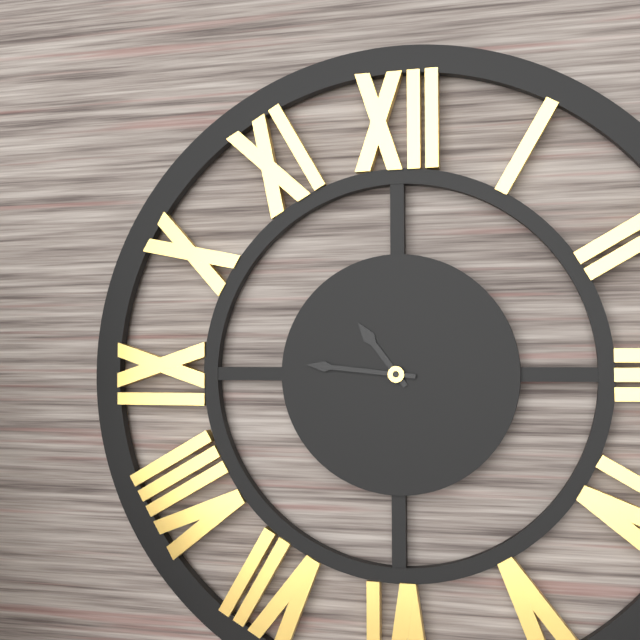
10:46
